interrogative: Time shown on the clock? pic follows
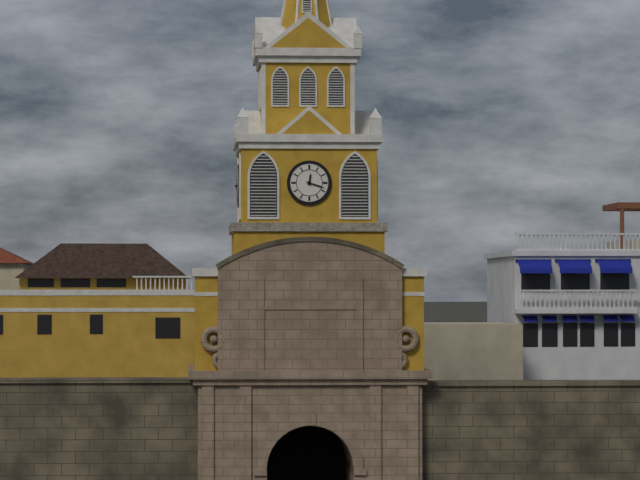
12:18
